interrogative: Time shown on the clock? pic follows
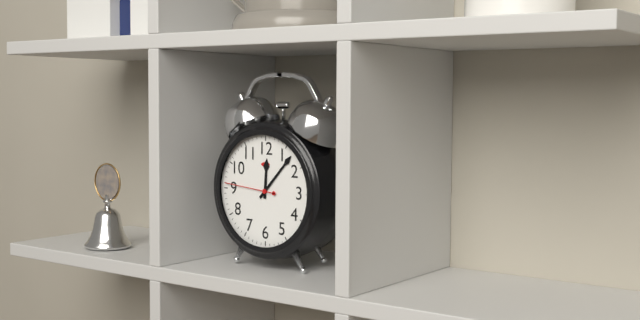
12:07:46
